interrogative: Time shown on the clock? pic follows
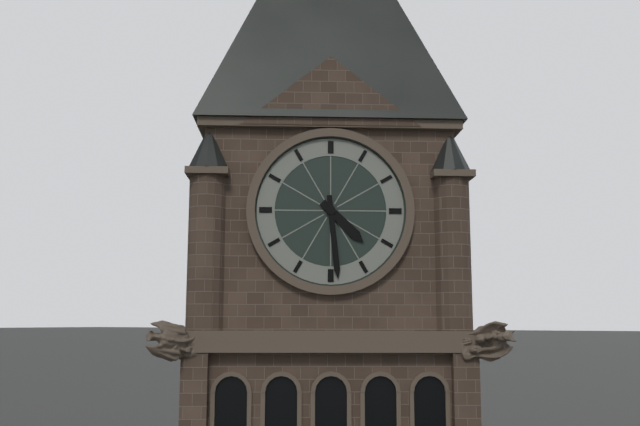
4:29
